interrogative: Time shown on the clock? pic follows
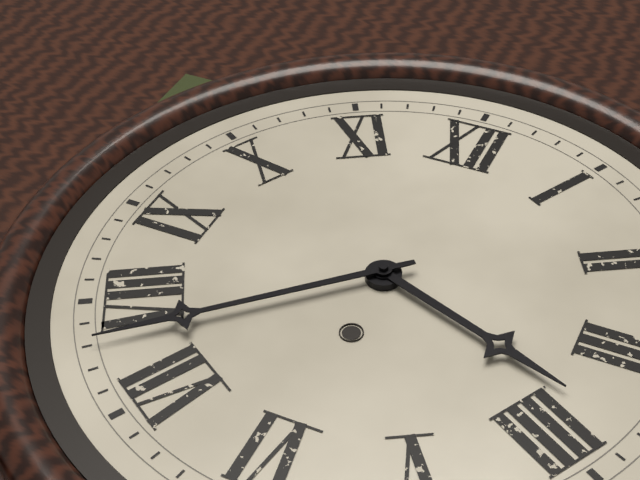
3:38
